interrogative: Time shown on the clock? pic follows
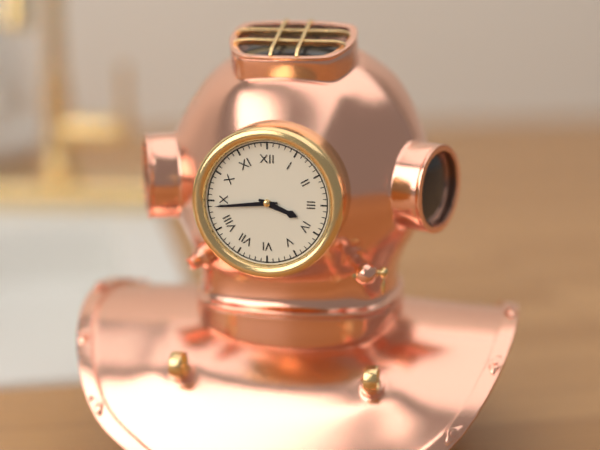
3:44
